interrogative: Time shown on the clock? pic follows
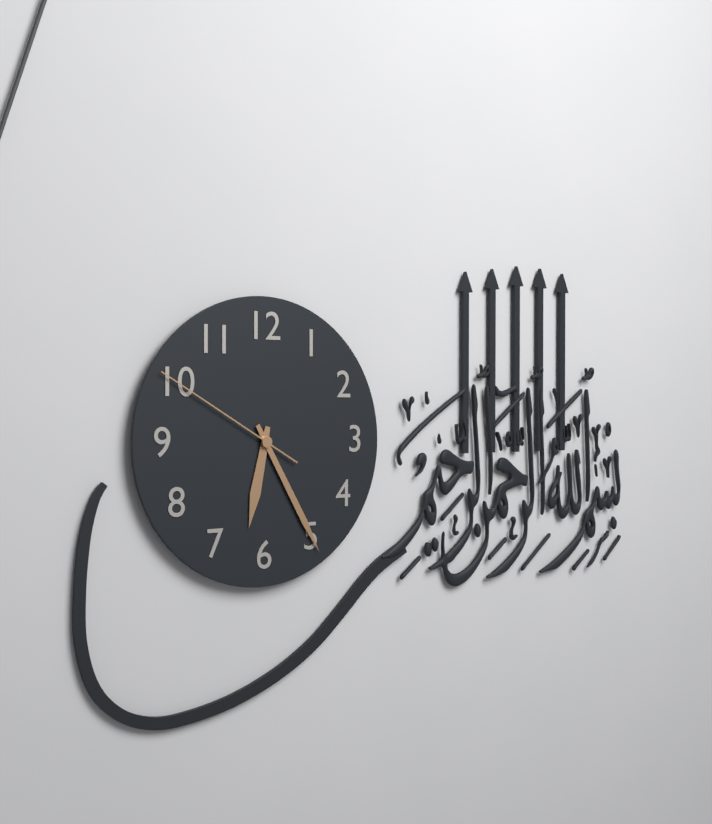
6:25:50
